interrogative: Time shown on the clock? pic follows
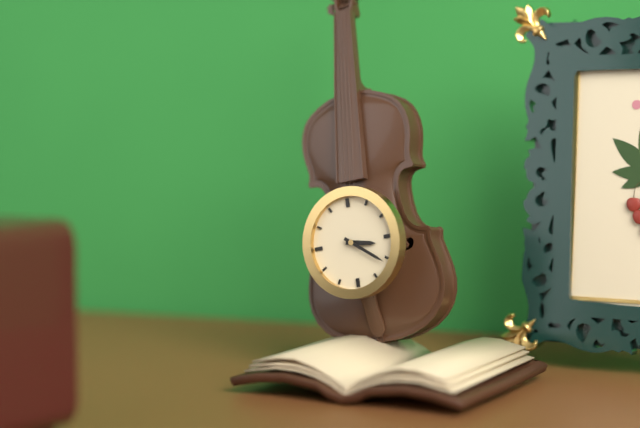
3:21
